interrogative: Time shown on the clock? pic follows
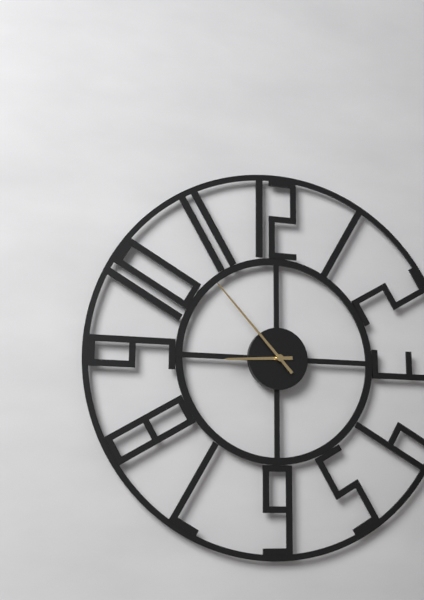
8:53
